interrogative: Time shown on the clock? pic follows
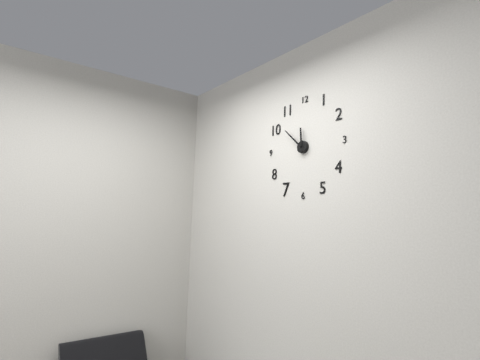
11:52
